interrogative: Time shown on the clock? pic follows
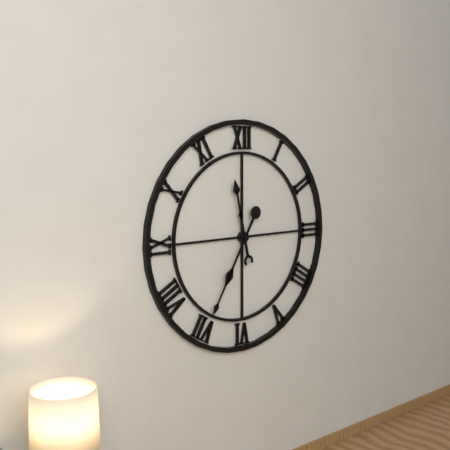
11:35
